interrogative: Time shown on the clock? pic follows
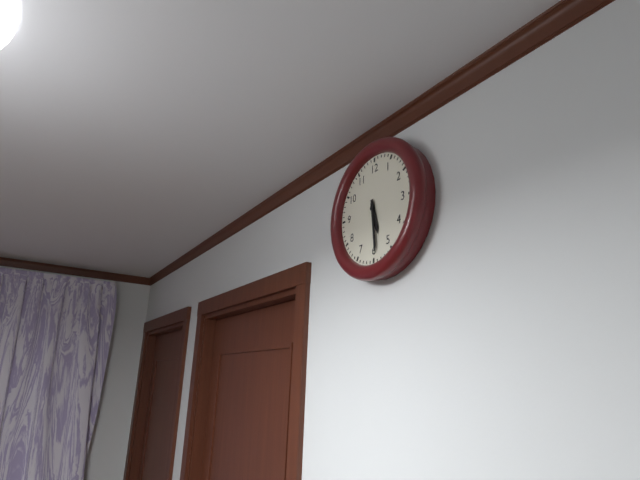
5:29
